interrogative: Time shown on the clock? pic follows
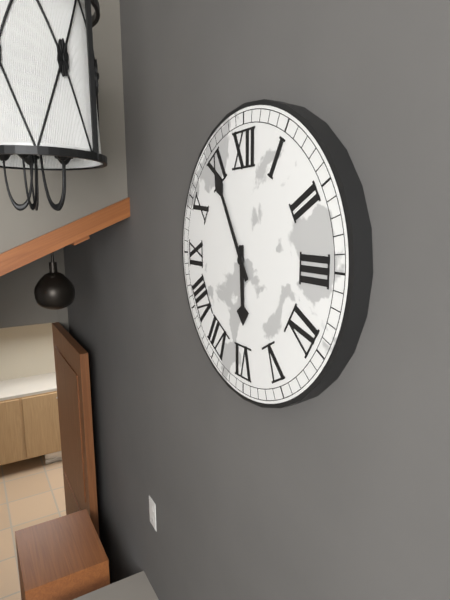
5:55
